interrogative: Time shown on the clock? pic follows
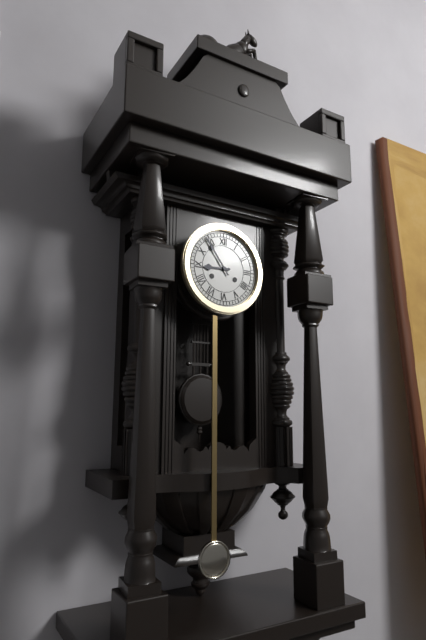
8:54
